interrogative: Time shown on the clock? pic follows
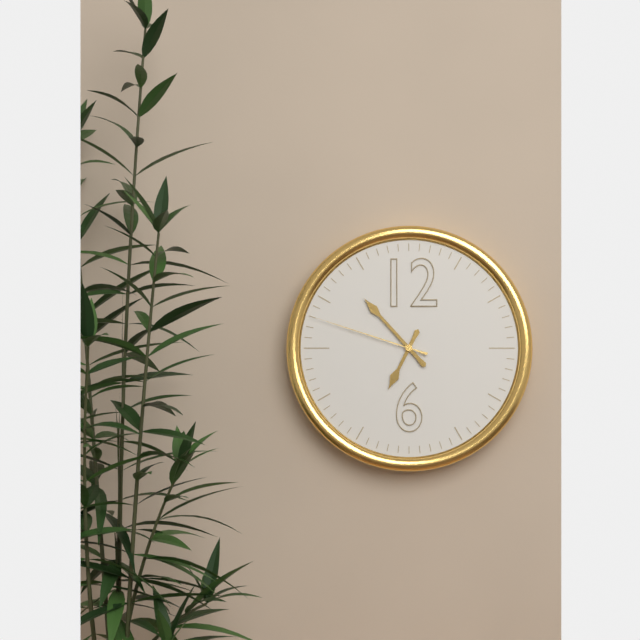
6:53:48
